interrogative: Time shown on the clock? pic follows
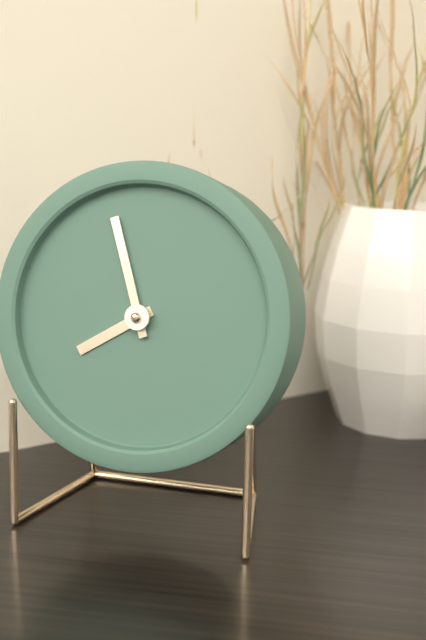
7:57
